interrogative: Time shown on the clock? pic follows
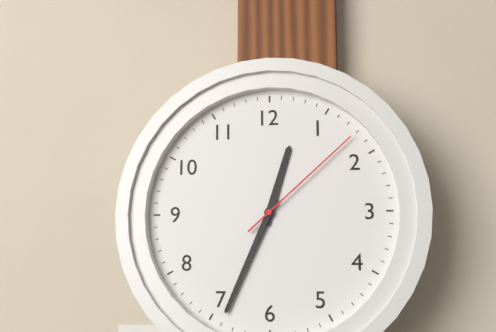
12:34:08
